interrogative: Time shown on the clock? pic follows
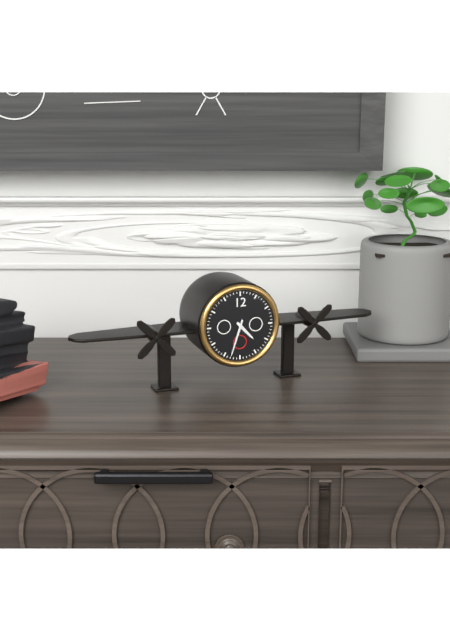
4:33
